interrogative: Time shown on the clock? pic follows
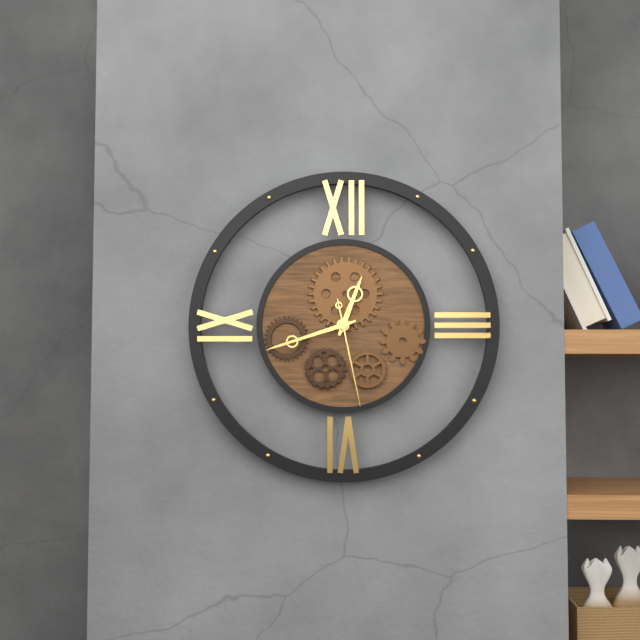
12:42:28
